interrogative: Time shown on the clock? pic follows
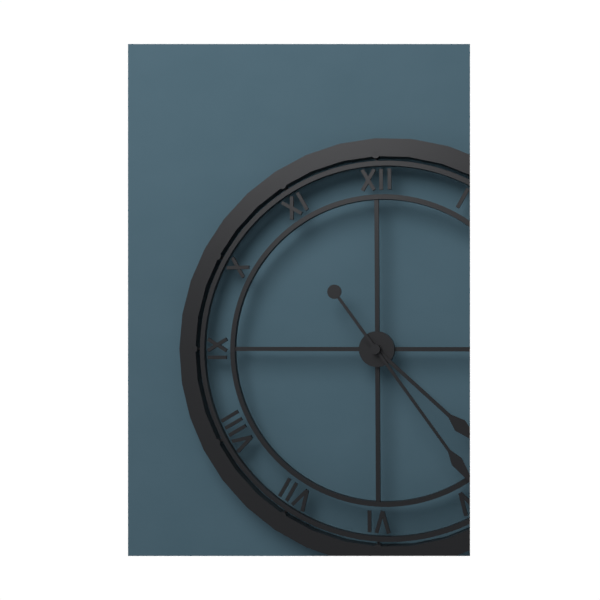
4:24
